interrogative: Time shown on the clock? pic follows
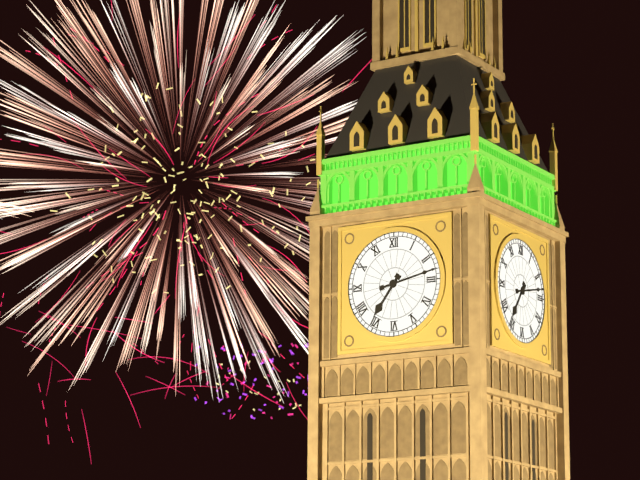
7:13
